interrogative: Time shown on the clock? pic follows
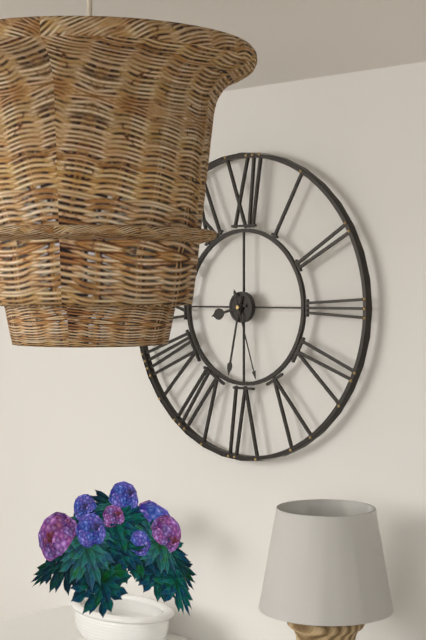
8:32:27
